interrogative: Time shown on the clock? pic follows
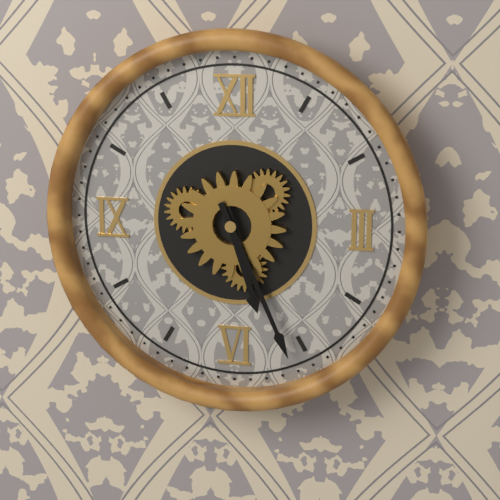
5:26
